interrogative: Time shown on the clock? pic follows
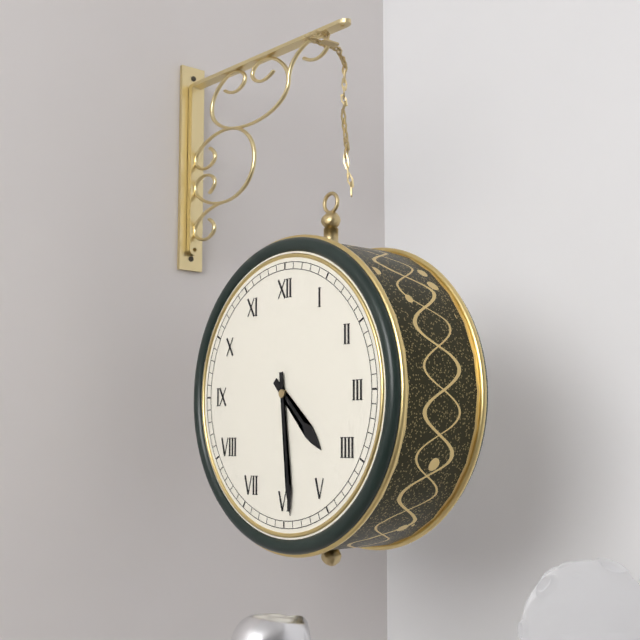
4:29
